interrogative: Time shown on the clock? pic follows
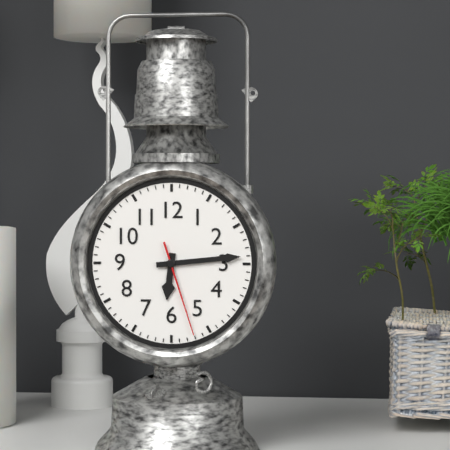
6:14:27
